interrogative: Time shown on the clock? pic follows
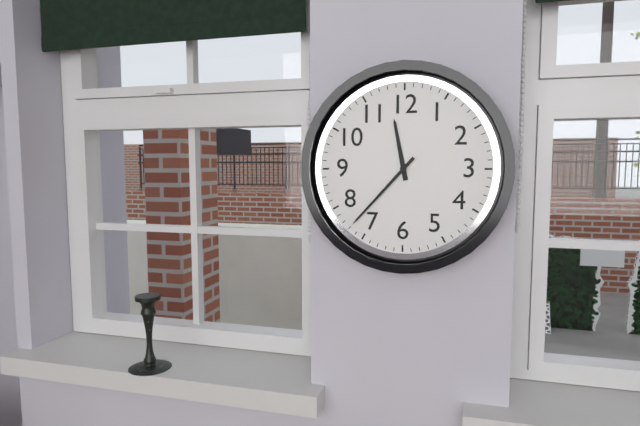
11:37
